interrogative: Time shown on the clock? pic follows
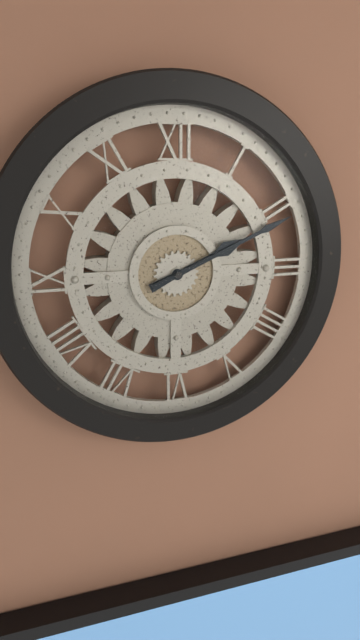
2:11
